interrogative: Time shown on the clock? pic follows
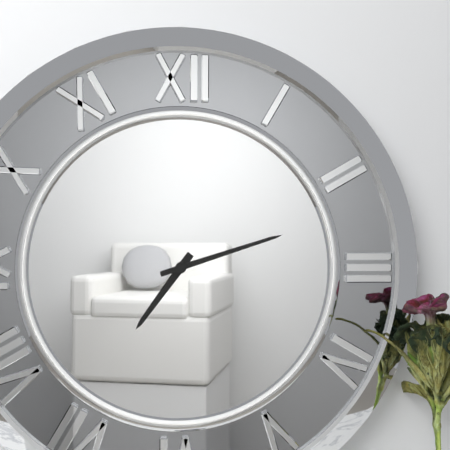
7:12
